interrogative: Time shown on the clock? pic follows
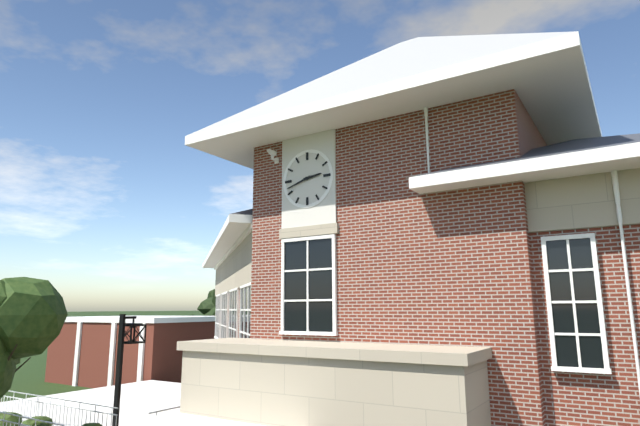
2:42
